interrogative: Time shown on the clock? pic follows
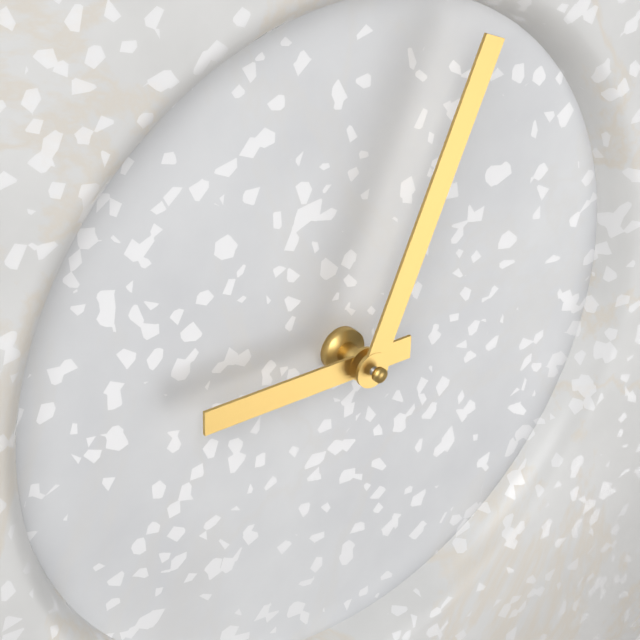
9:04
